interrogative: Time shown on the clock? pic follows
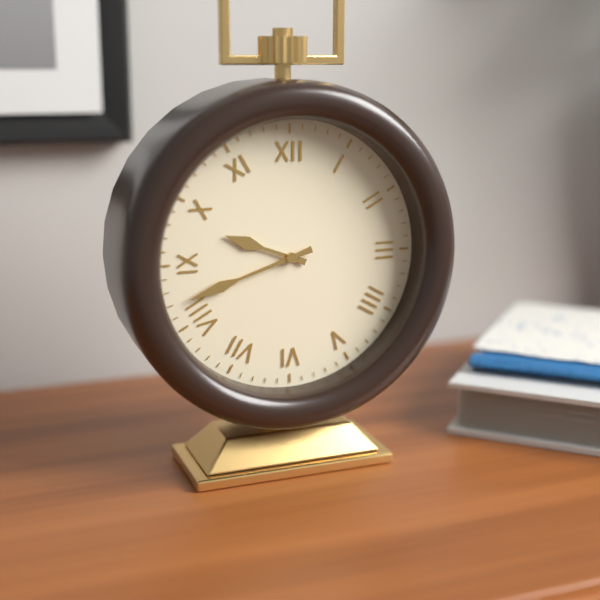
9:42
